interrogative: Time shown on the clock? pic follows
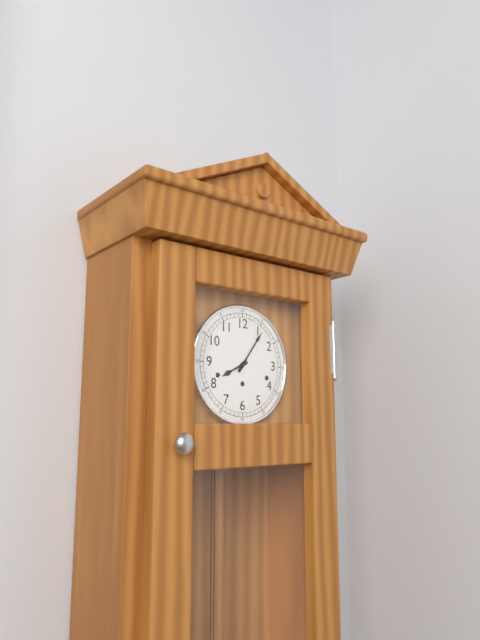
8:06
